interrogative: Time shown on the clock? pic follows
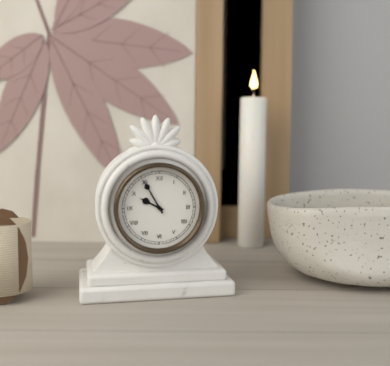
9:55
